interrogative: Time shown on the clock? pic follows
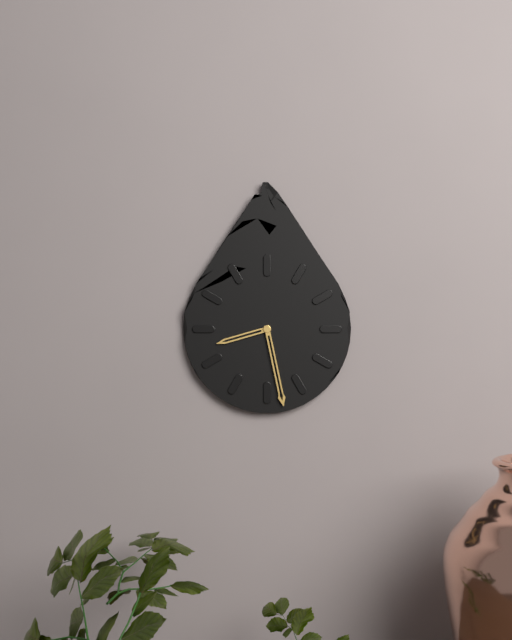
8:28
